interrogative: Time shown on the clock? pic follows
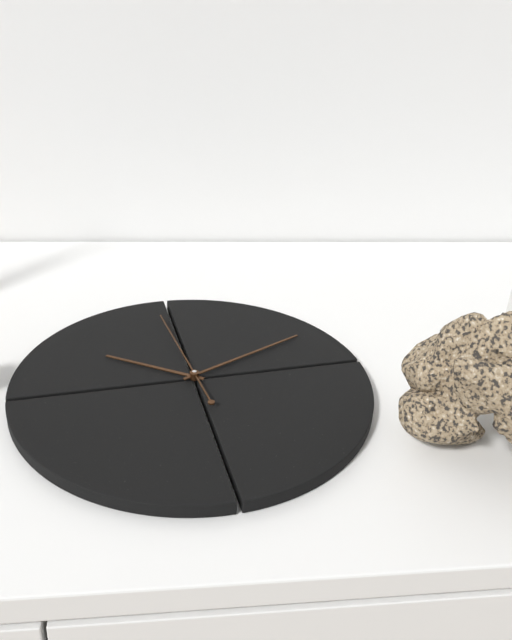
10:11:59
